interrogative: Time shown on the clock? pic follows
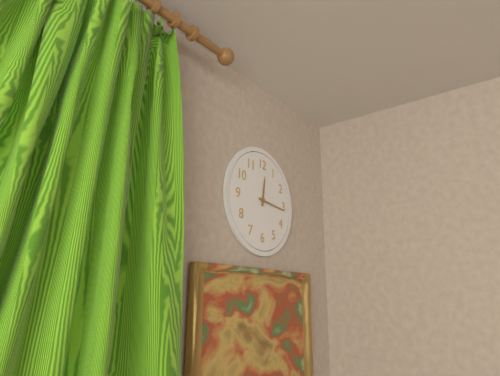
12:16
